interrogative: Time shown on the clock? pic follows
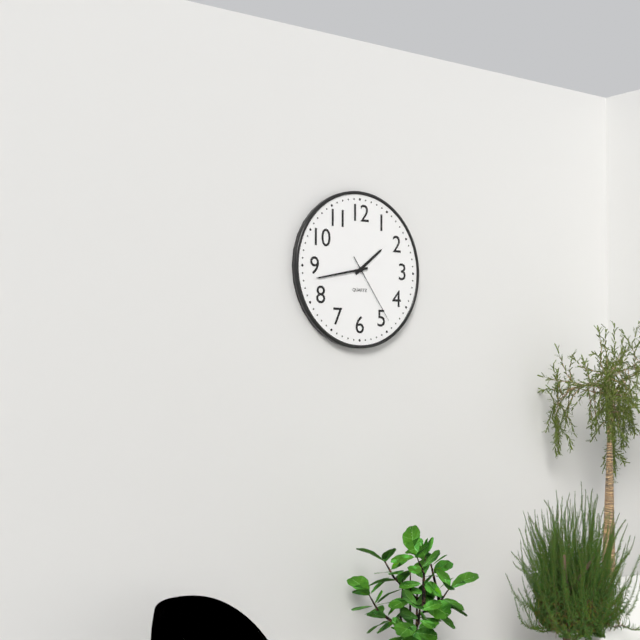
1:43:24
